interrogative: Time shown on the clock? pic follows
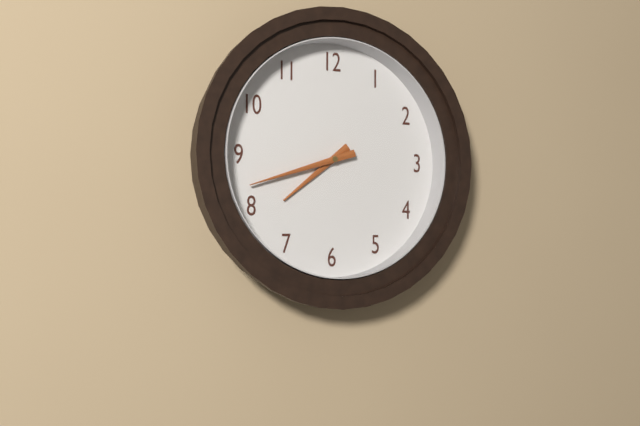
7:42
